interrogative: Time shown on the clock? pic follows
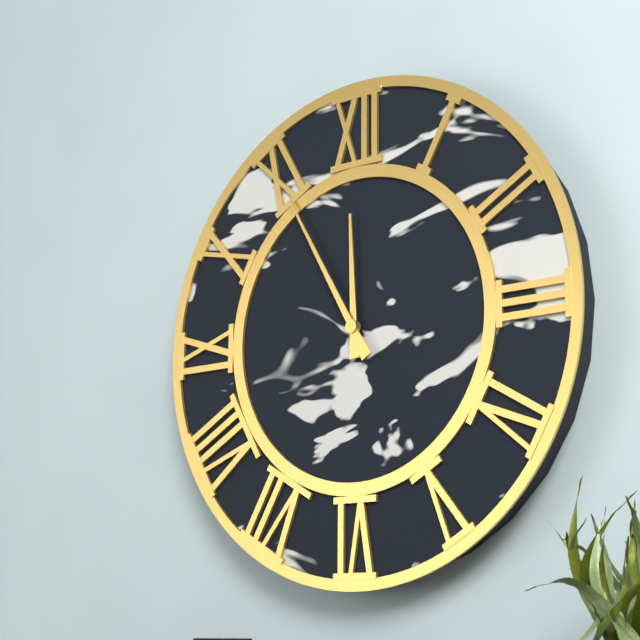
11:55
